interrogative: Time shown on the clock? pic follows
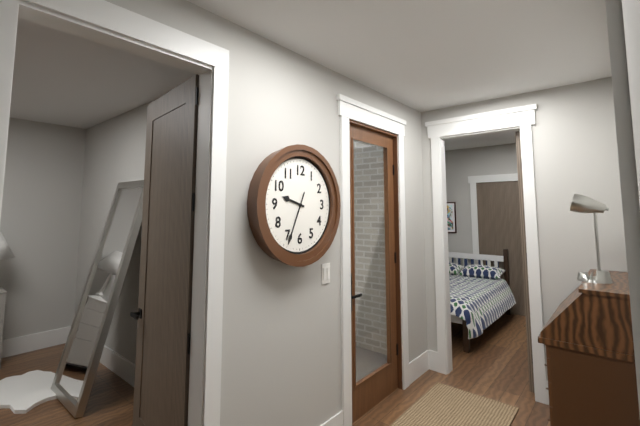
9:34
